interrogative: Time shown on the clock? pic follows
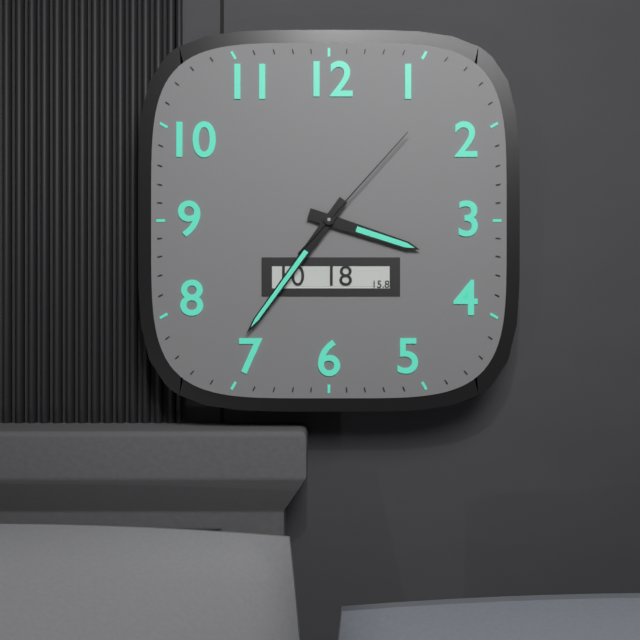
3:36:07
